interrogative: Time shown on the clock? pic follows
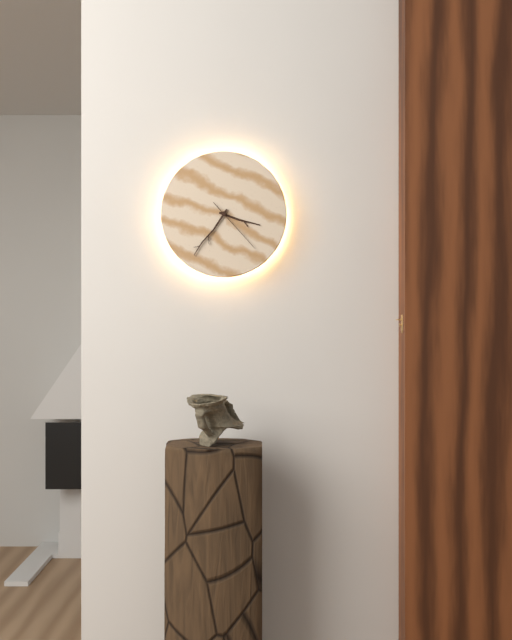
3:36:23
